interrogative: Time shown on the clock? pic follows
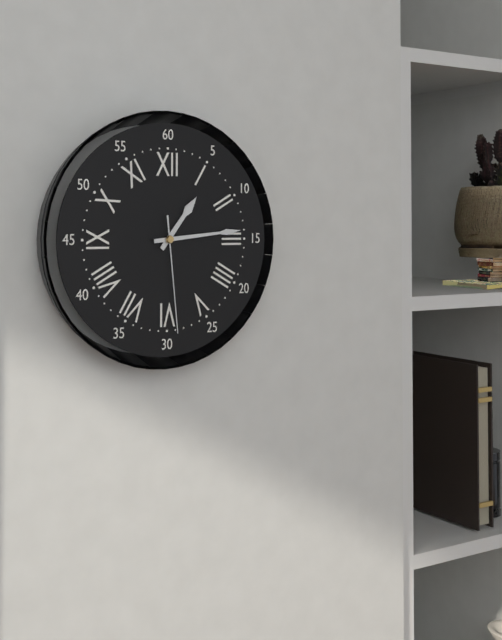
1:14:29
